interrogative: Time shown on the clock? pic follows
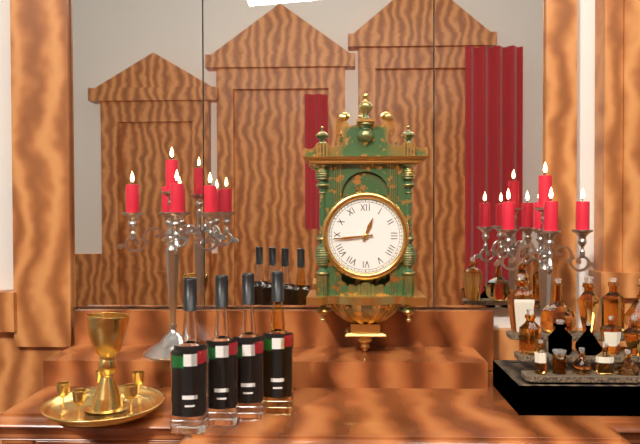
12:44
